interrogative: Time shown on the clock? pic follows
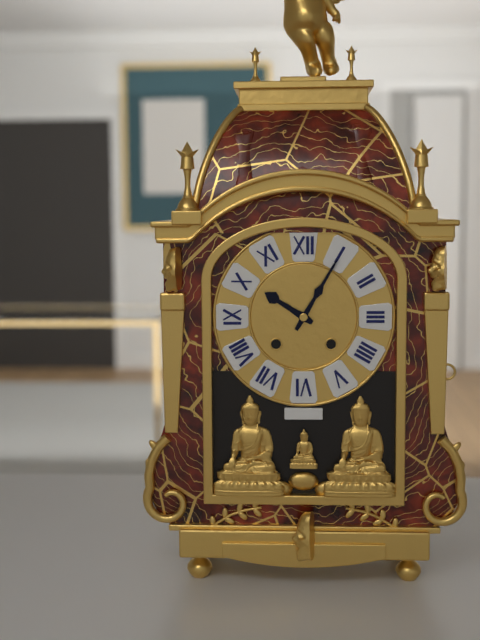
10:05
